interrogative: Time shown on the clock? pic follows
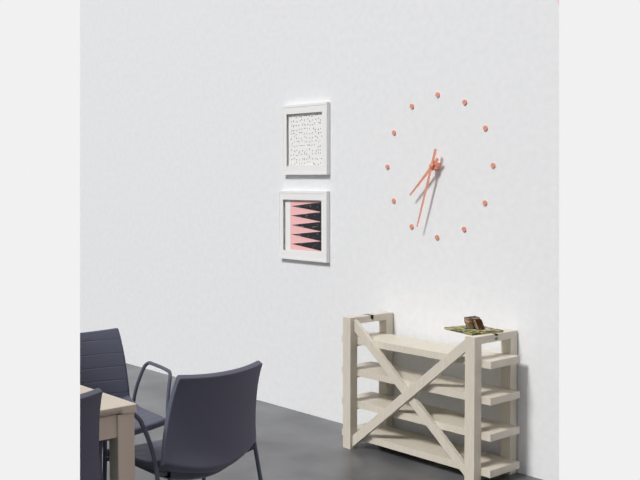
7:33
